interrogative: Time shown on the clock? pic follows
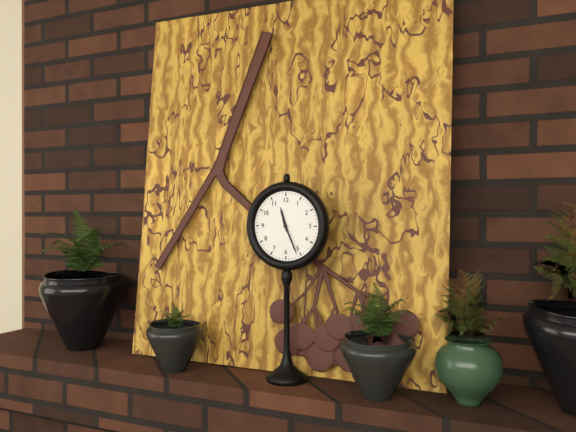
11:26
